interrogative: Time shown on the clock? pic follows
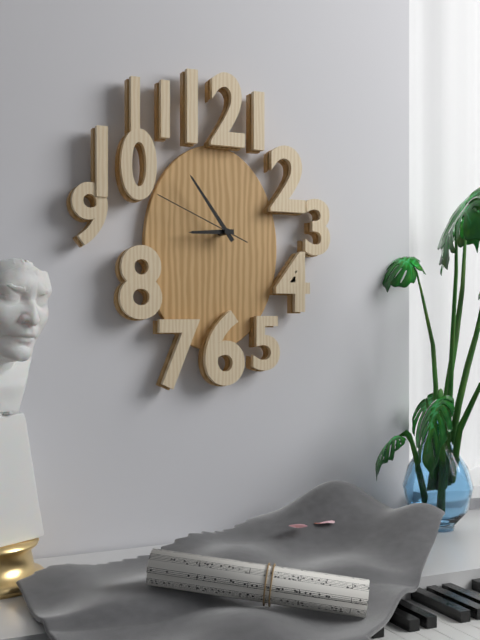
8:54:49
